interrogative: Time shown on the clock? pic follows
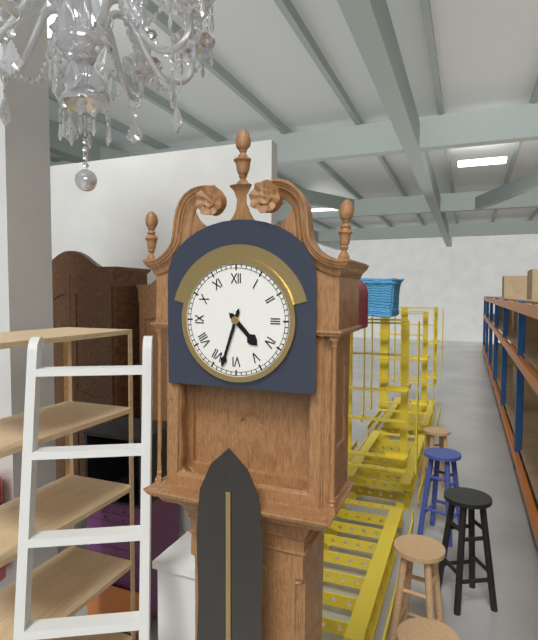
4:33
